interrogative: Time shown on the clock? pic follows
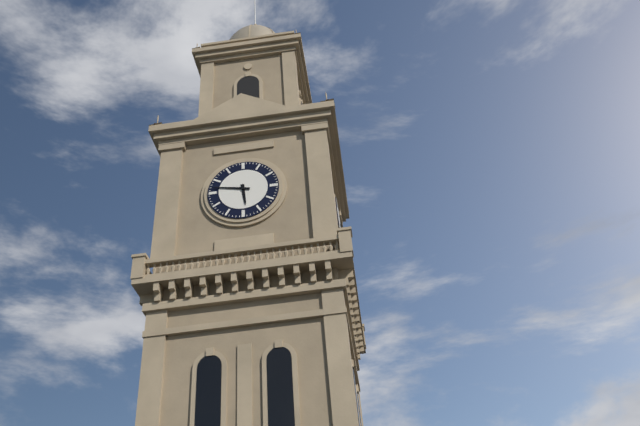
5:47
